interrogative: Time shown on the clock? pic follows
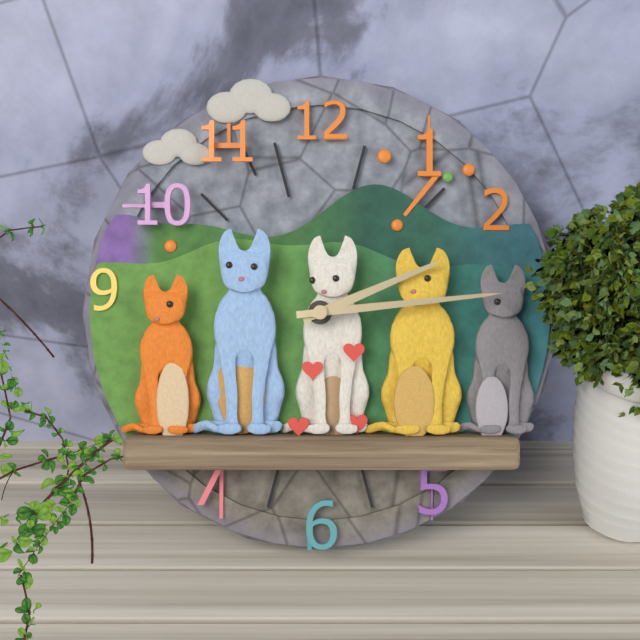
2:14
